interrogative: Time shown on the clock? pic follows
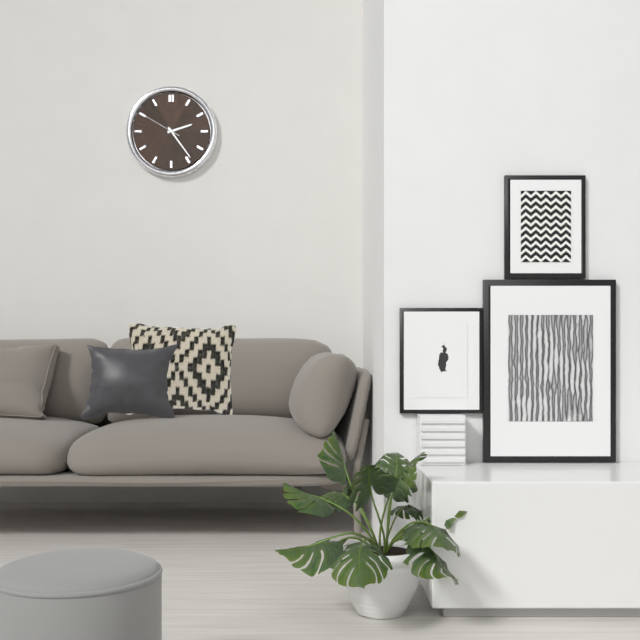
2:24
